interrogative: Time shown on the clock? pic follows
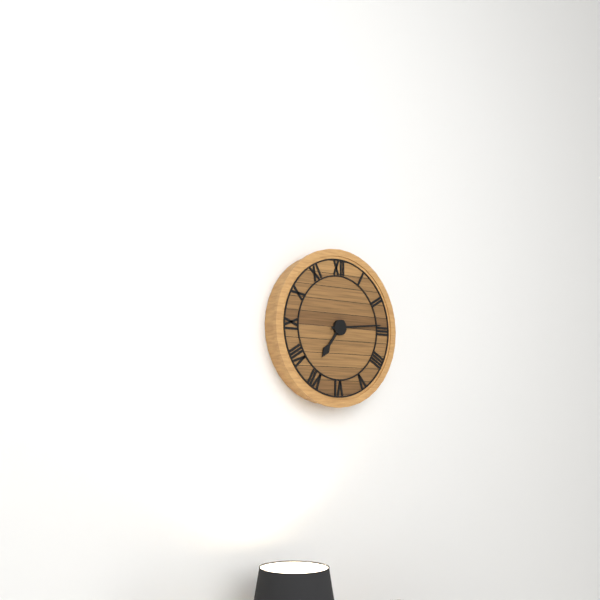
7:14
